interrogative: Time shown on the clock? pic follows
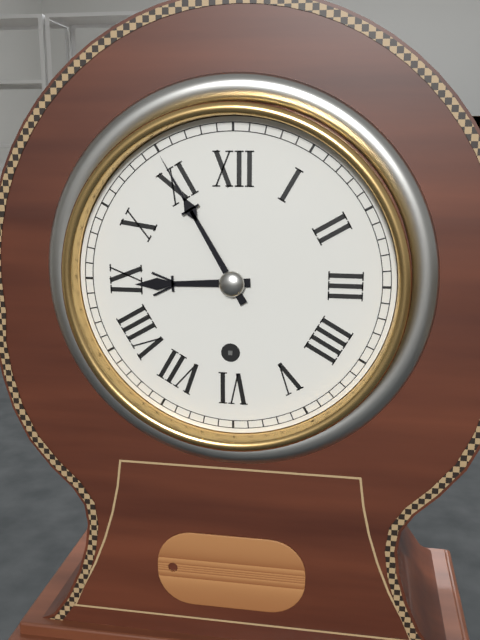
8:55
